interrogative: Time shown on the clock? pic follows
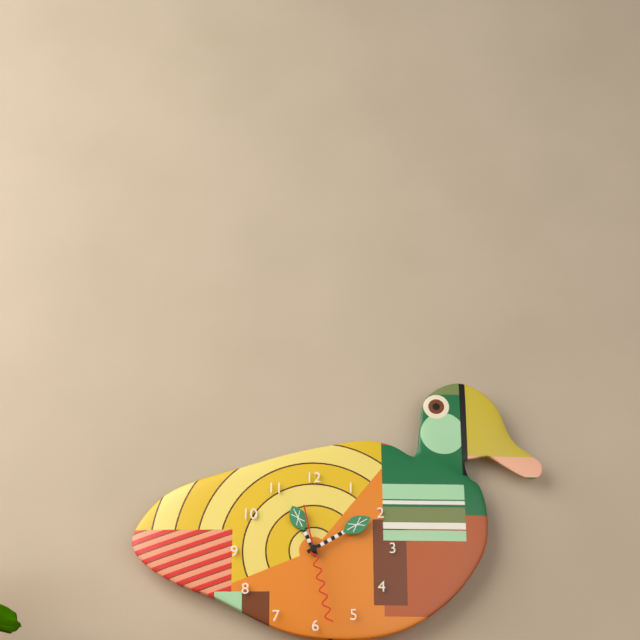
11:10:28
